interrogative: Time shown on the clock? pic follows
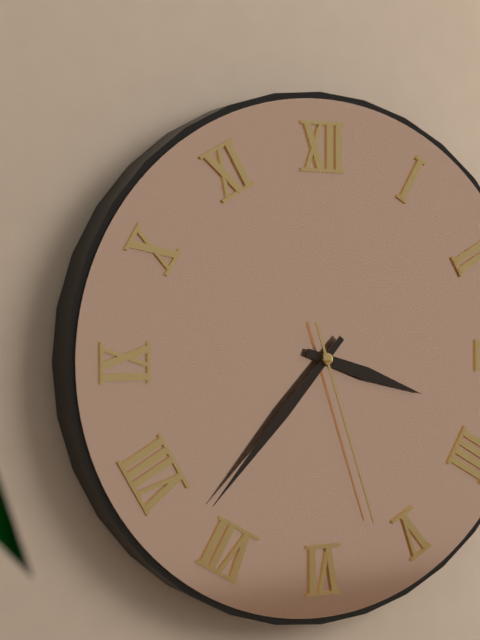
3:37:27
